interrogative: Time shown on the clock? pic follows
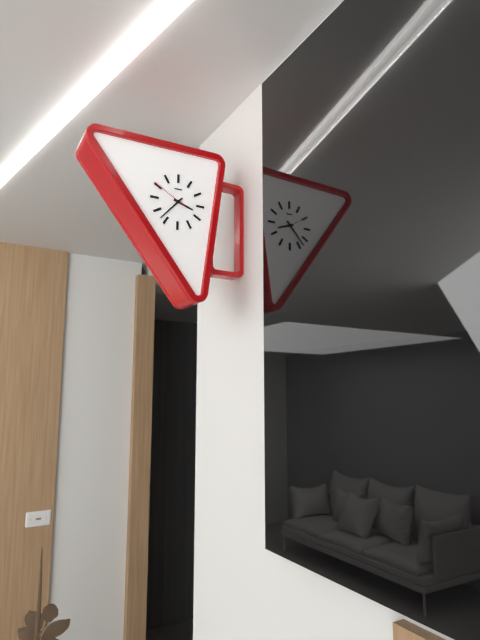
3:37
